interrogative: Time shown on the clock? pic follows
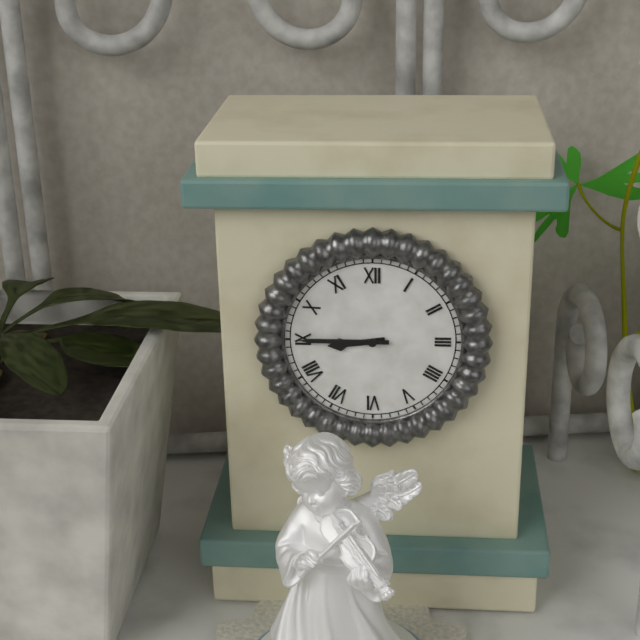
8:45
